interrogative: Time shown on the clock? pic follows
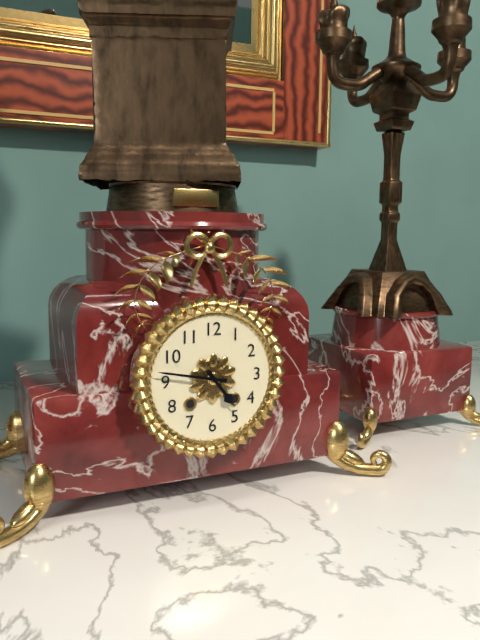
4:47
